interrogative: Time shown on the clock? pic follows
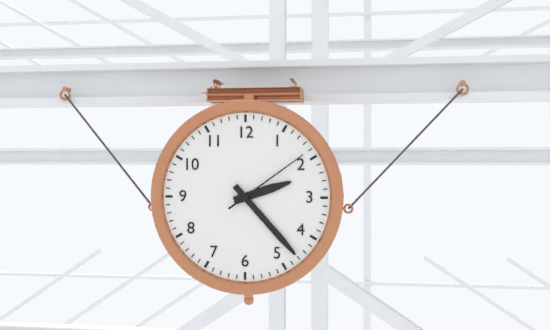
2:23:09
